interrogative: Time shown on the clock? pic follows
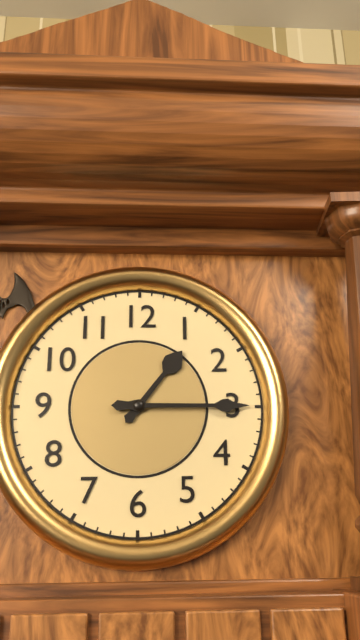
1:15
